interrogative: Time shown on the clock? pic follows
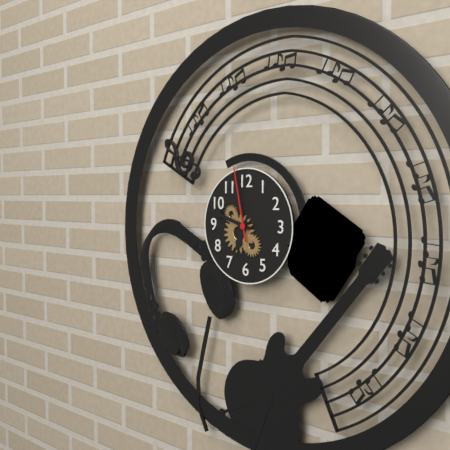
6:48:58
